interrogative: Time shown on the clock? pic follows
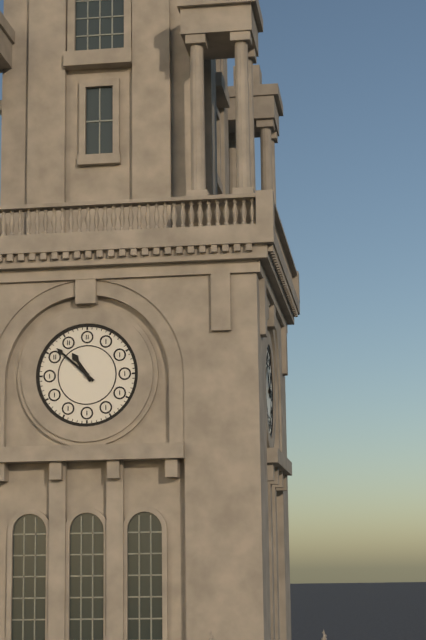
10:52
